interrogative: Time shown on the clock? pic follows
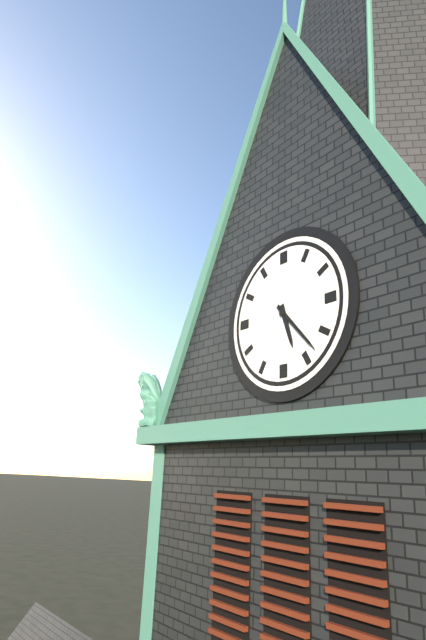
5:23
